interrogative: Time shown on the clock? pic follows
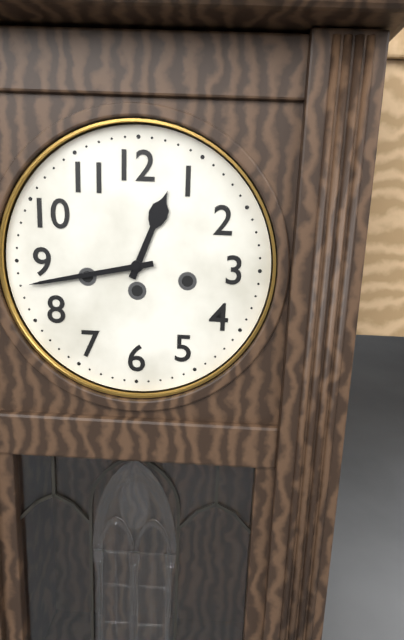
12:43
